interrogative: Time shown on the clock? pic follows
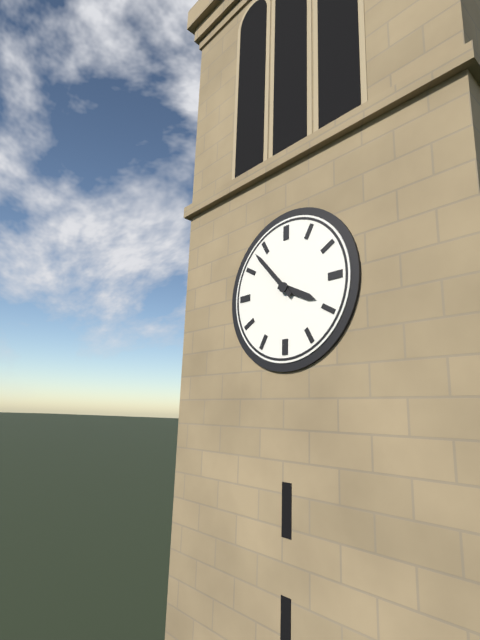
3:53
